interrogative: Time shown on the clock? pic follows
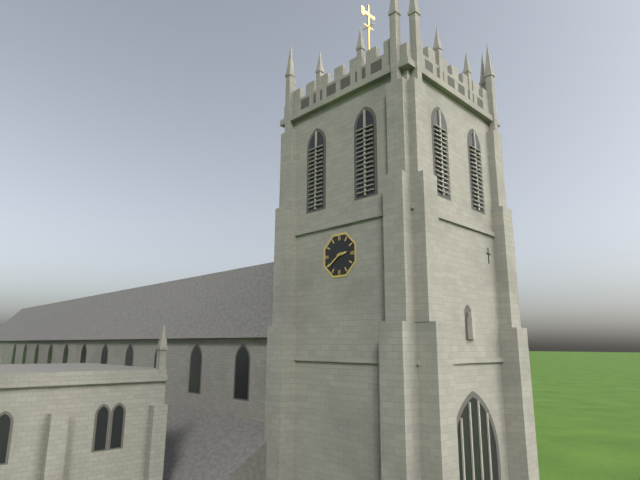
2:39
